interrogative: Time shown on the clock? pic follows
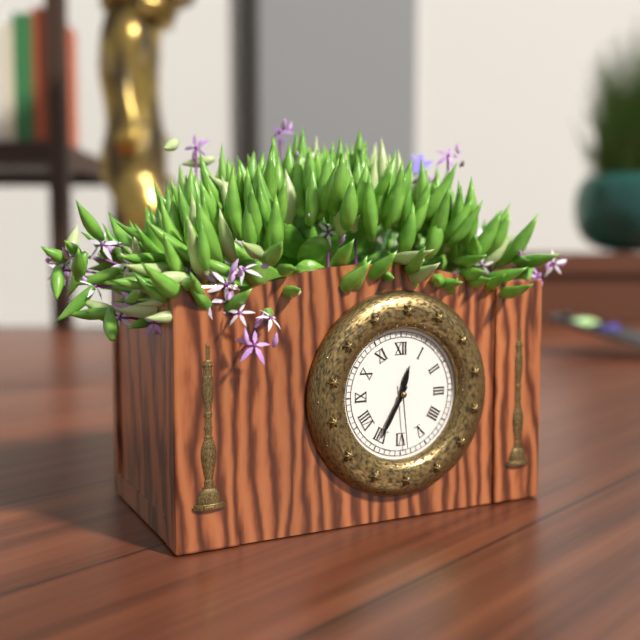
12:35:29
